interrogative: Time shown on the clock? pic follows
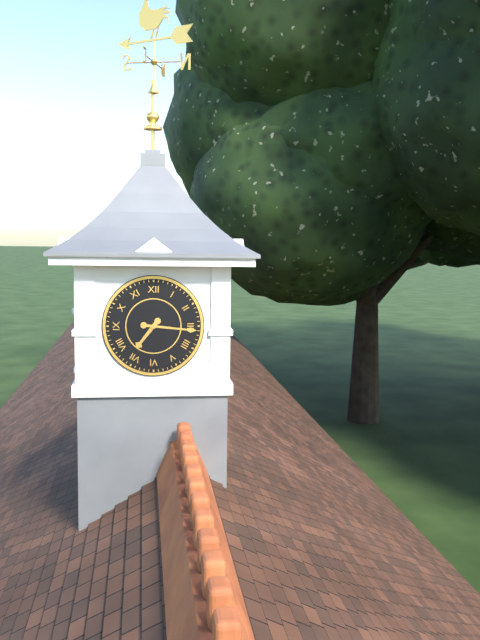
7:16
